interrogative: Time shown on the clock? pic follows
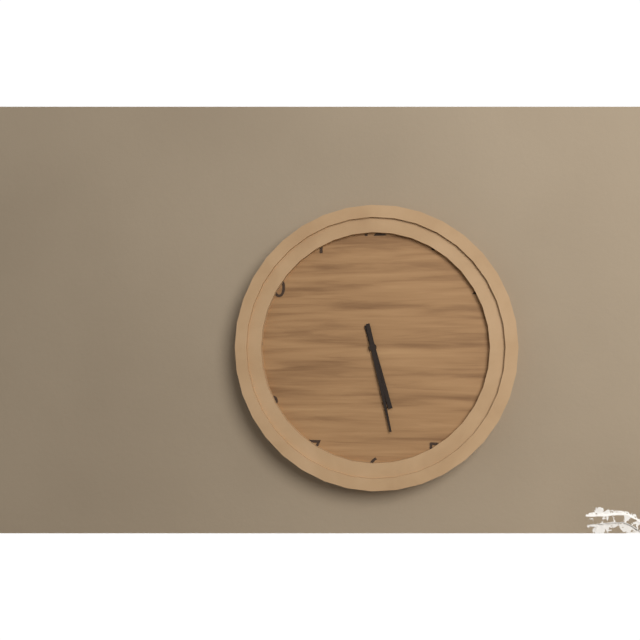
5:28
